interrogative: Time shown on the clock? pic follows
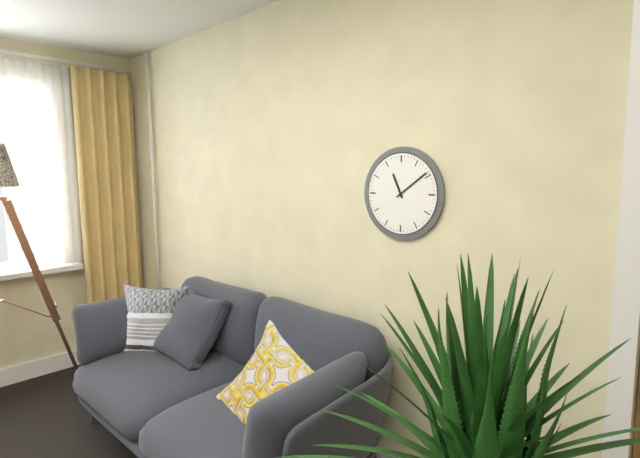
11:09
